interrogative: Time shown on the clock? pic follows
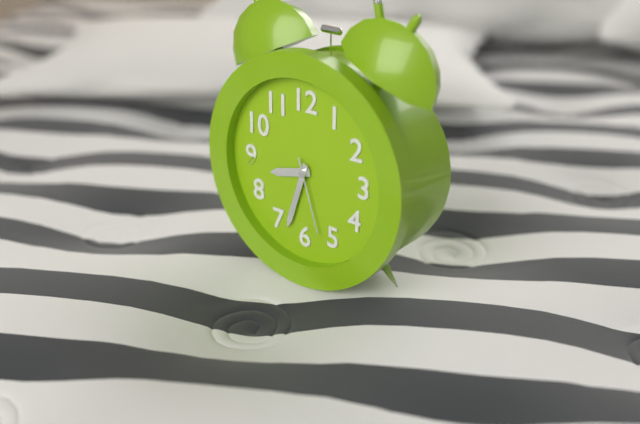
8:33:27
